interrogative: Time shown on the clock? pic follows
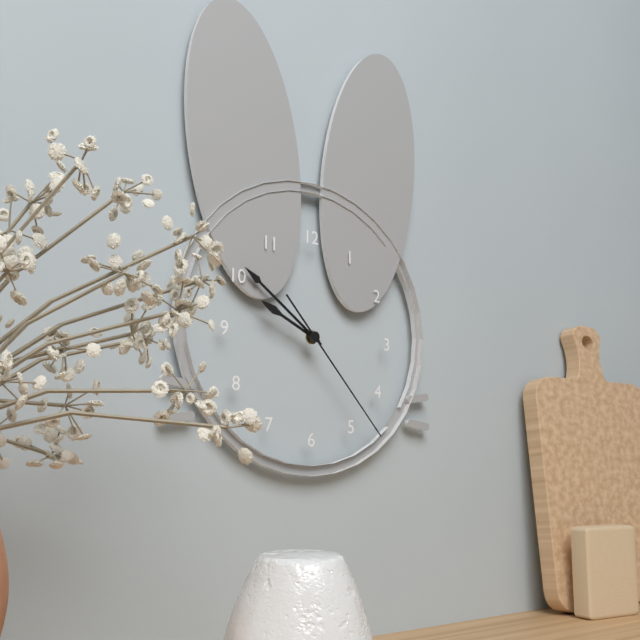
9:51:23
